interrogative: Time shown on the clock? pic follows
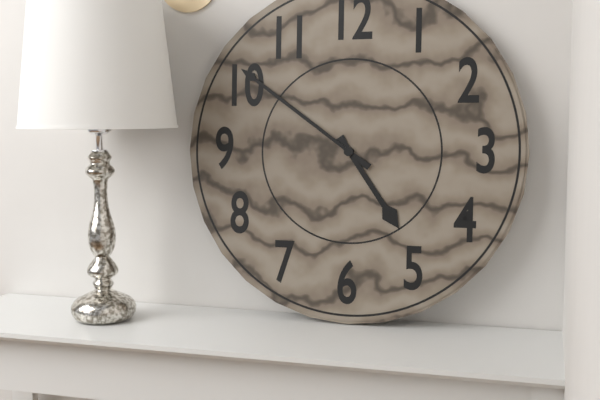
4:51
